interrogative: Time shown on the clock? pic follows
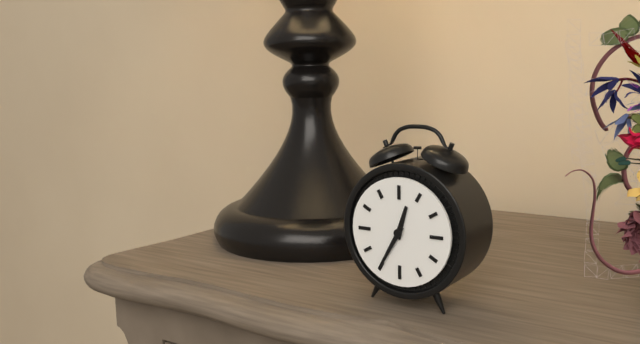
12:35
